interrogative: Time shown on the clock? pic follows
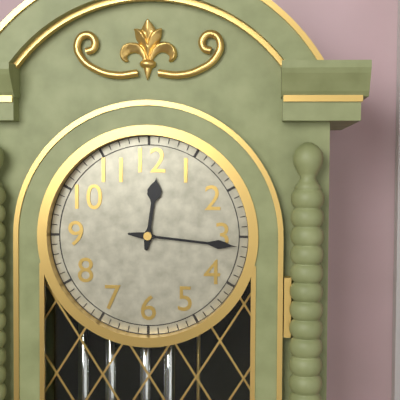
12:16
